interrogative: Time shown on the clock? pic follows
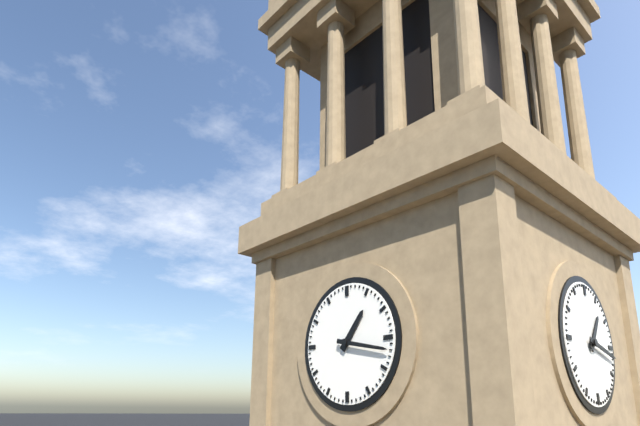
1:17
